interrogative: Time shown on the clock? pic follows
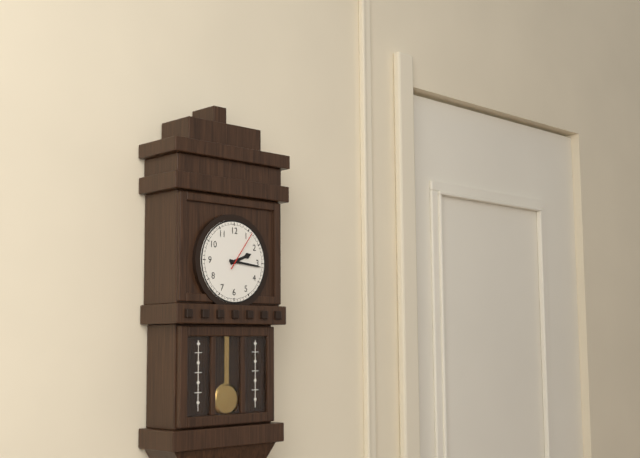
2:16
